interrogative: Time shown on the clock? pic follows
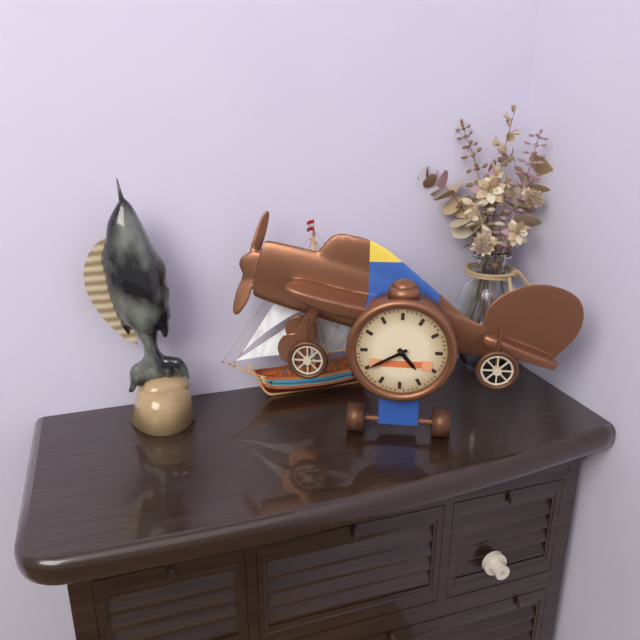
4:40
